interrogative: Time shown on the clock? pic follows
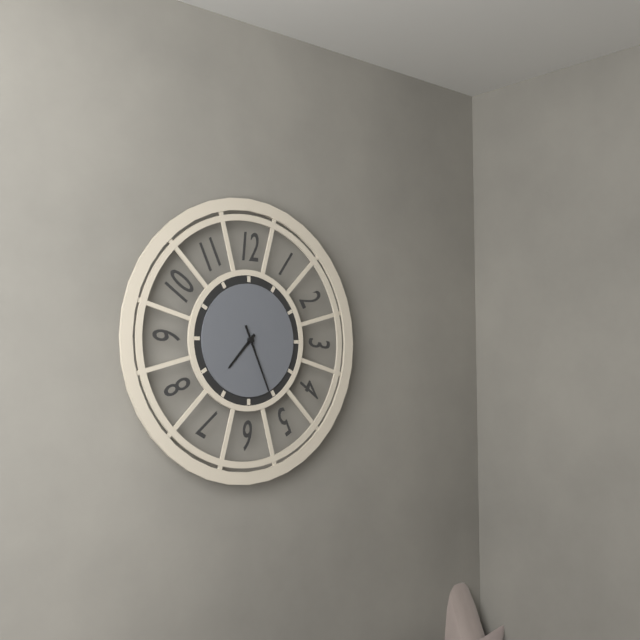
7:26
